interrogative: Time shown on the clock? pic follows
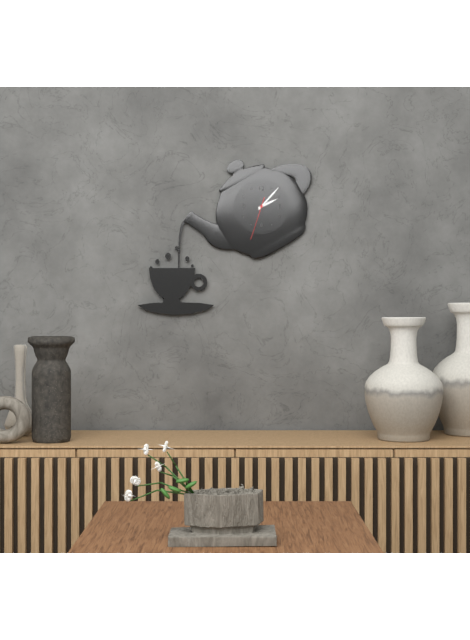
2:07
